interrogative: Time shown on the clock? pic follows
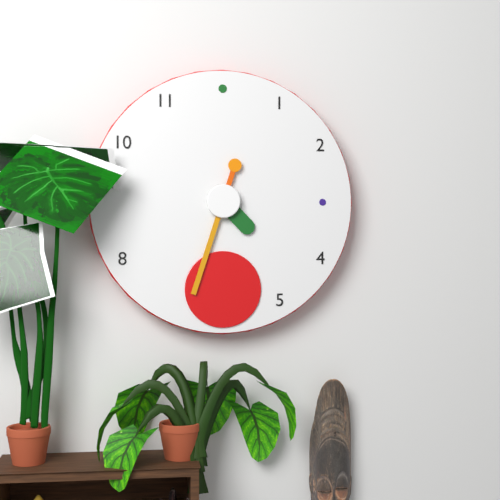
4:33
